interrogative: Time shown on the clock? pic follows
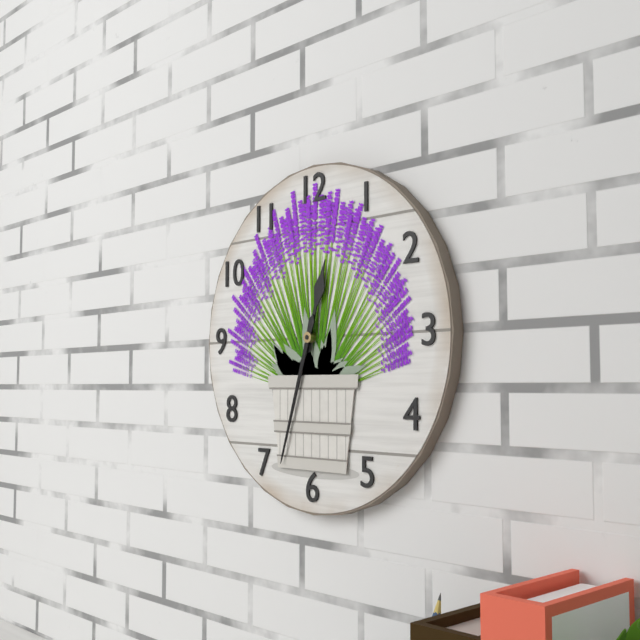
12:33
